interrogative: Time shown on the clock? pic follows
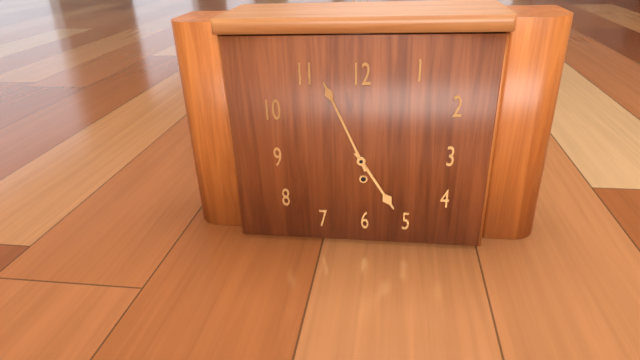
4:56
